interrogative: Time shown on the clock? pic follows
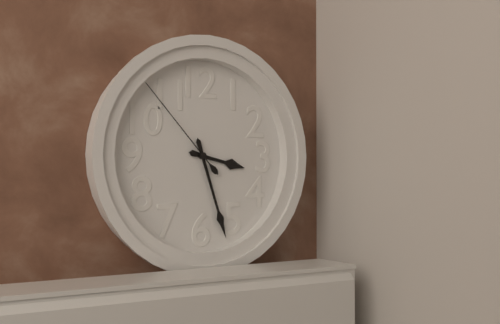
3:27:53
